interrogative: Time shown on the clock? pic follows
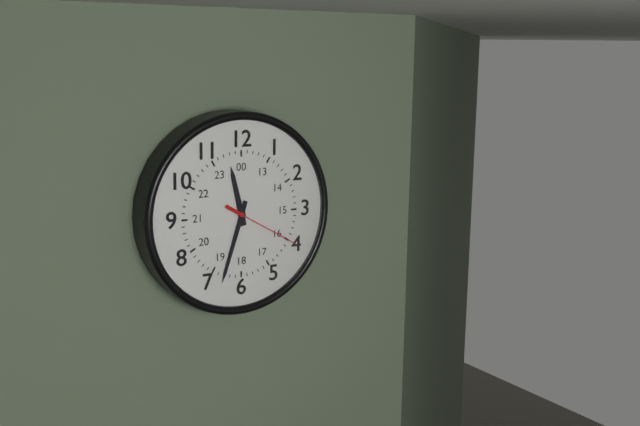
11:33:20
